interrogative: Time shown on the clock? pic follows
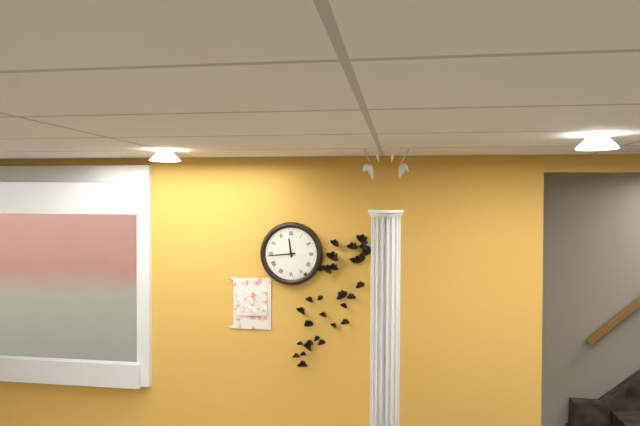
11:44
